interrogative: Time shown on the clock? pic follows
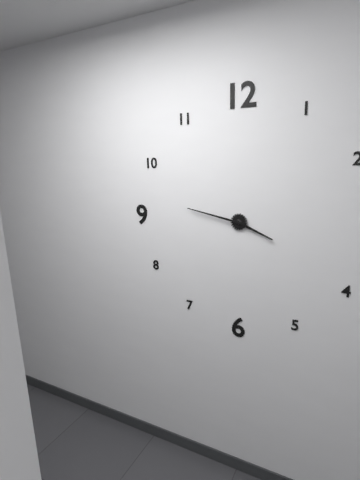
3:47
